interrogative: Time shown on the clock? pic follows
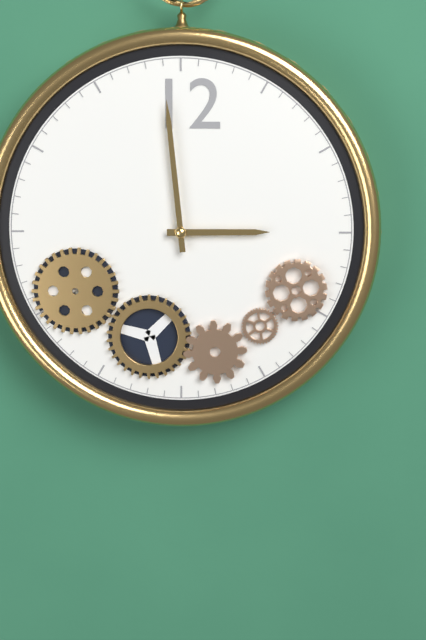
2:59
